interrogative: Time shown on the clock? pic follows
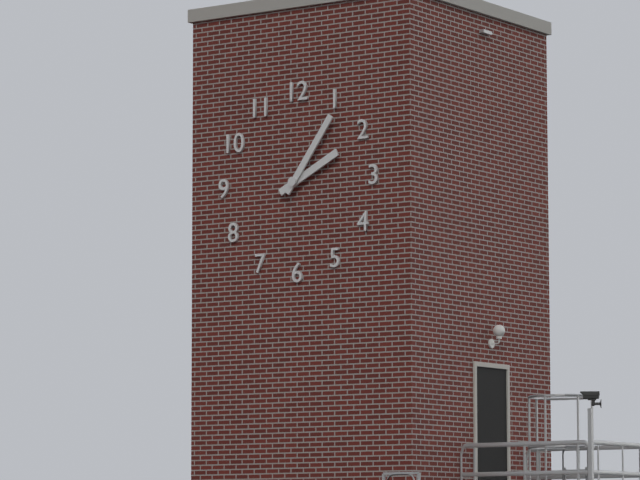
2:06
